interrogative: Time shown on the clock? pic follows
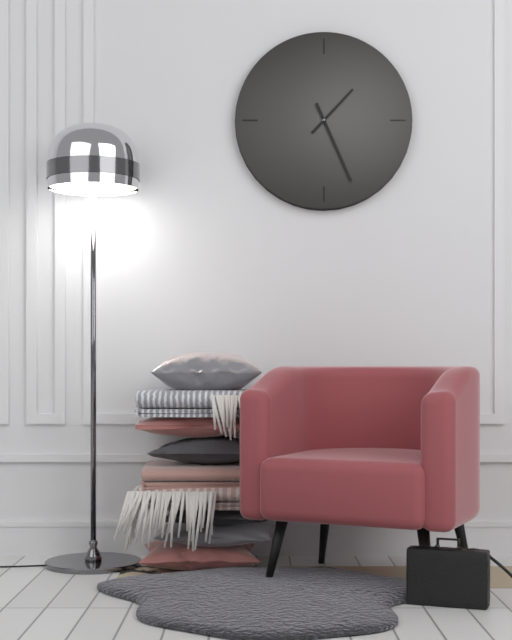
1:26
